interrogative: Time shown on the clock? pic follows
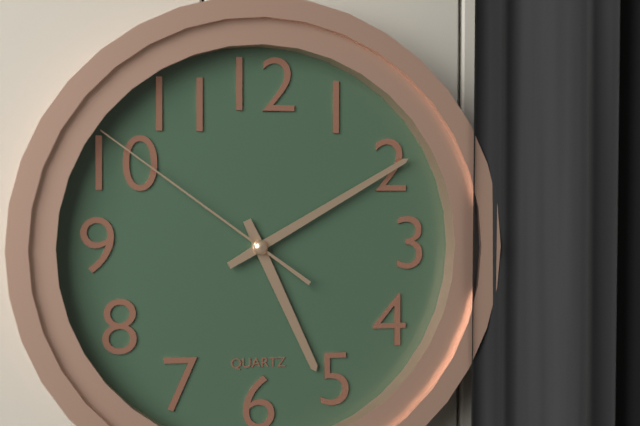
5:10:51
